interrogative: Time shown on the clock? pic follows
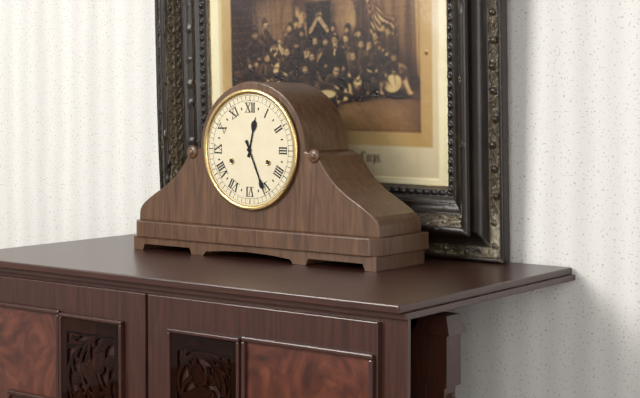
12:26
